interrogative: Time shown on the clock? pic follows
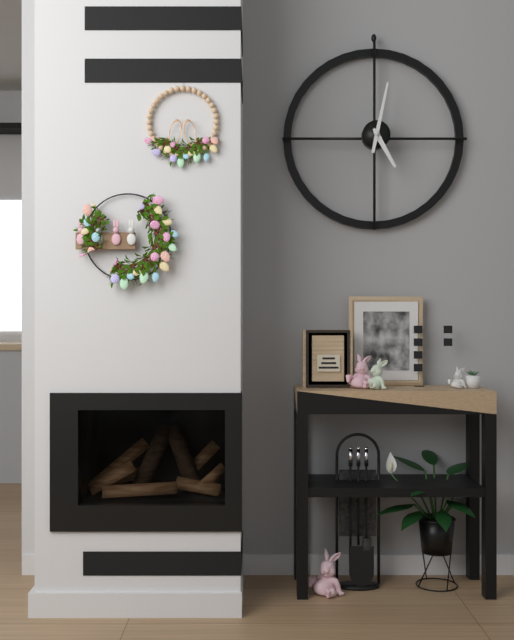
5:02
